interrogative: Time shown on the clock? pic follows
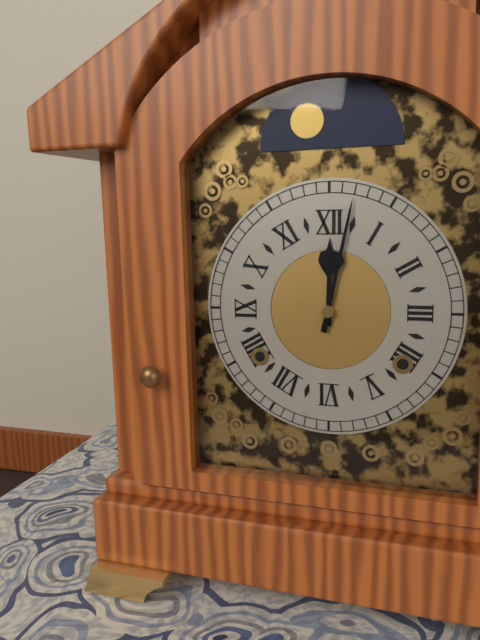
12:02
